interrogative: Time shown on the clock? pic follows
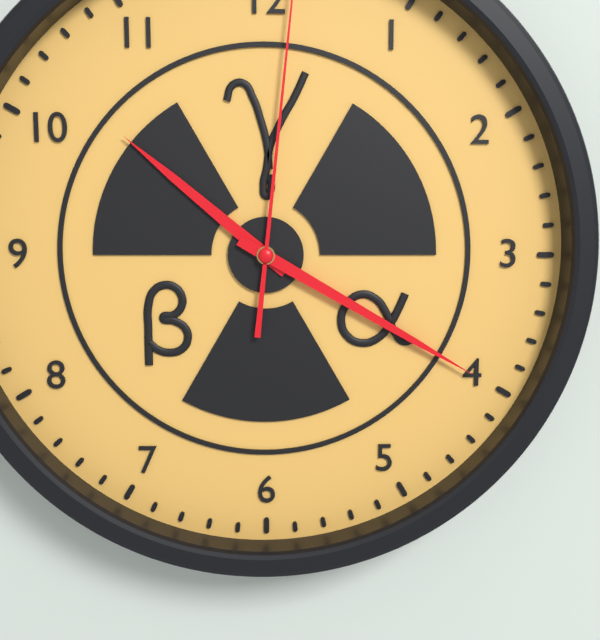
10:20
